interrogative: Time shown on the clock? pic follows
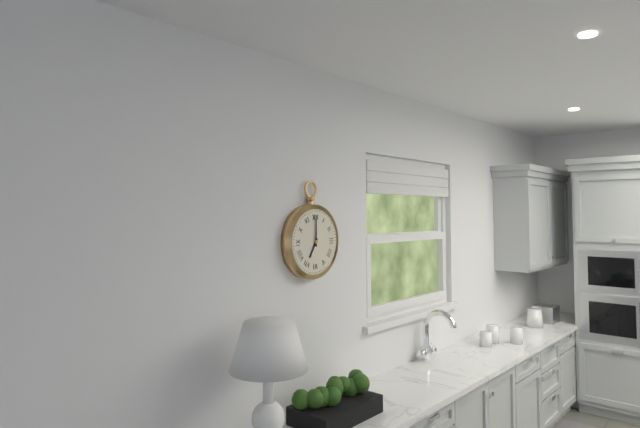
7:00
